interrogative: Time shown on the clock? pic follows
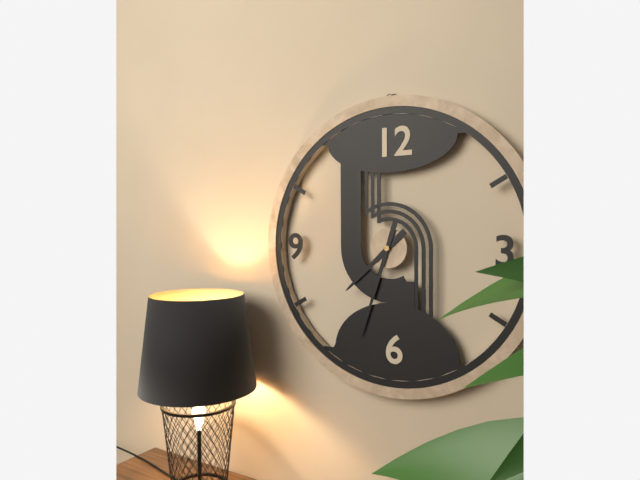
7:33
